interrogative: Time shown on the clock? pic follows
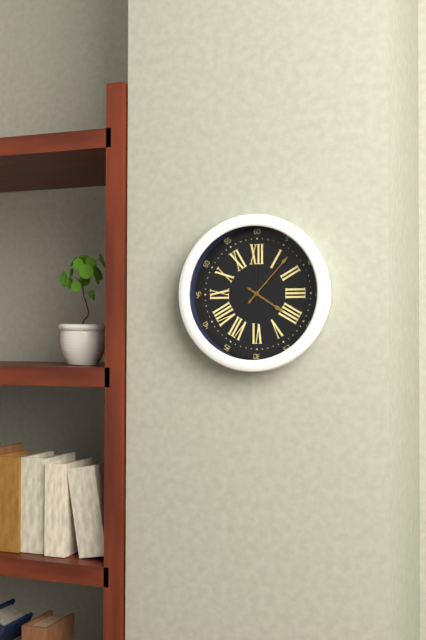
4:07:00
